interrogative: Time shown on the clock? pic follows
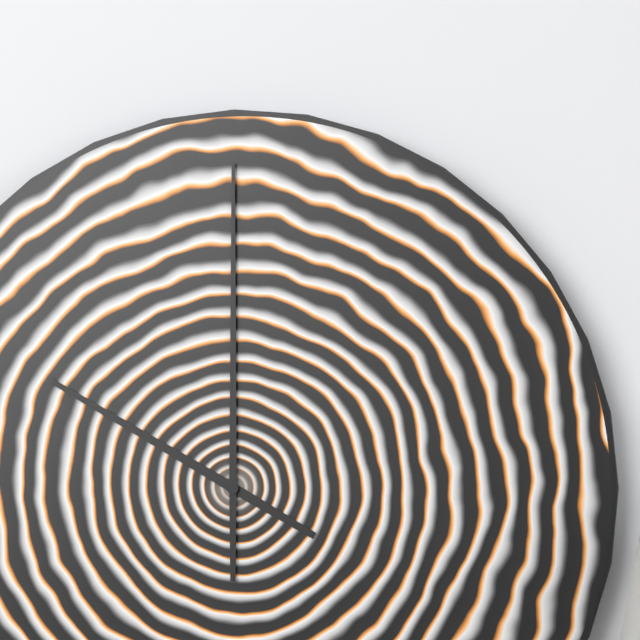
10:00
